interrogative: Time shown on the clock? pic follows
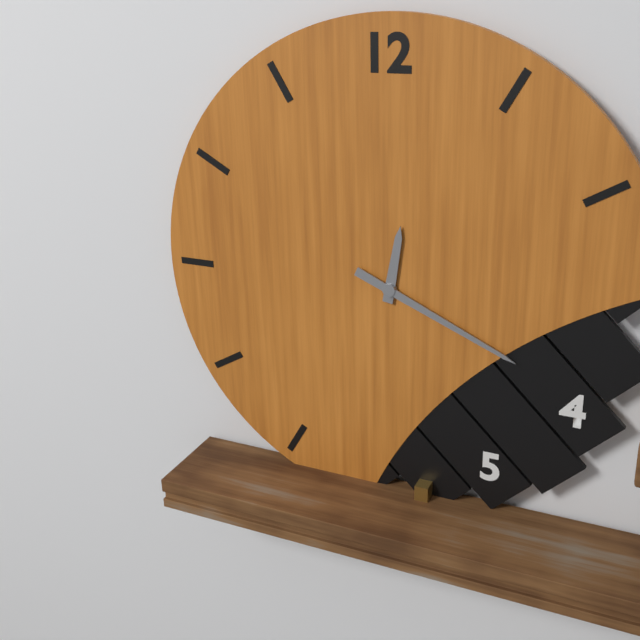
12:19
